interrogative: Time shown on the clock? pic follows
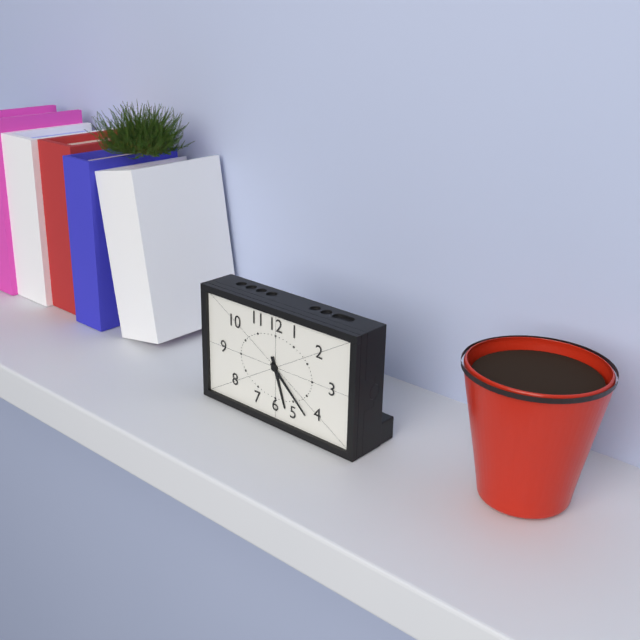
5:22
